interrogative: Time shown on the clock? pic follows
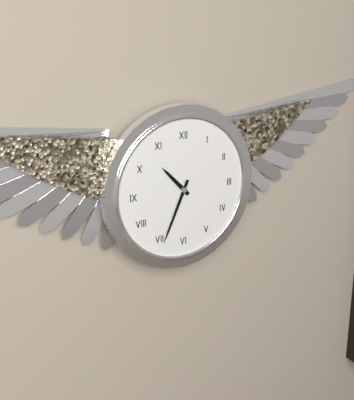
10:34
